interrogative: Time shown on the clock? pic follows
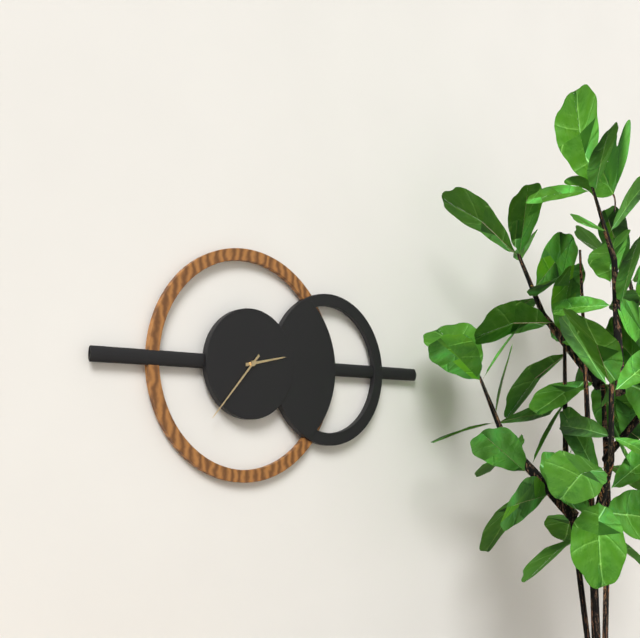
2:37
